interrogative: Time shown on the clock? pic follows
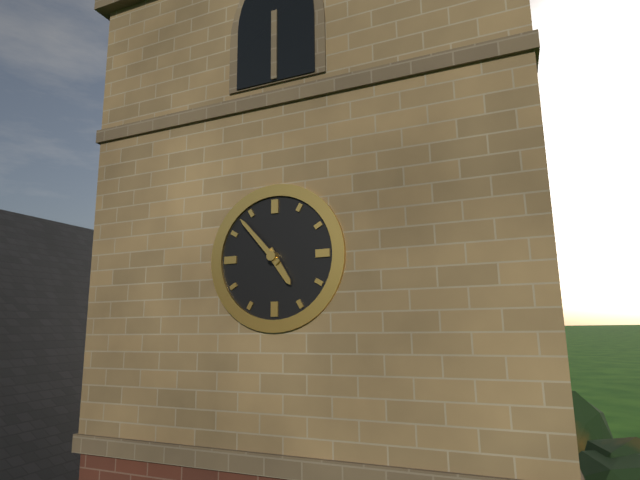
4:53
